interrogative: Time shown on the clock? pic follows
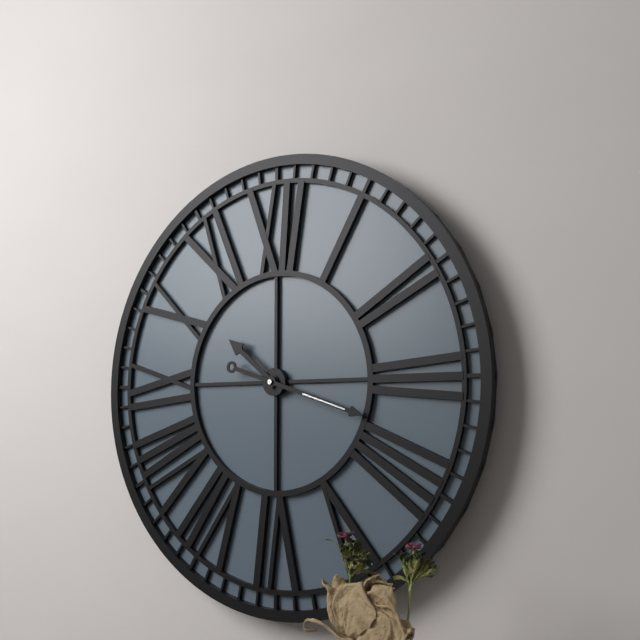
10:18
